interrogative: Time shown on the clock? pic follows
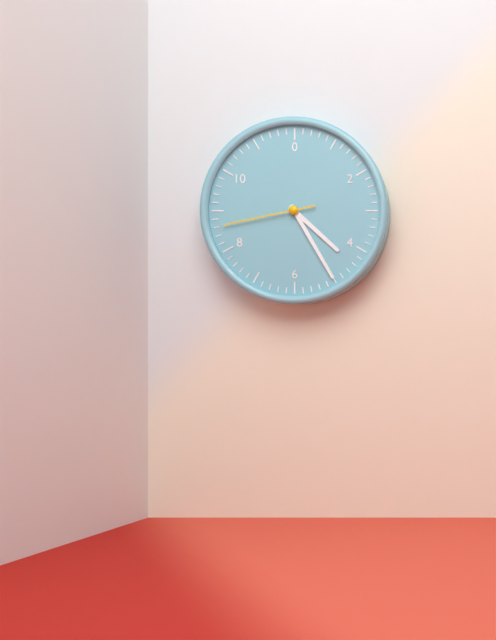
4:25:43
